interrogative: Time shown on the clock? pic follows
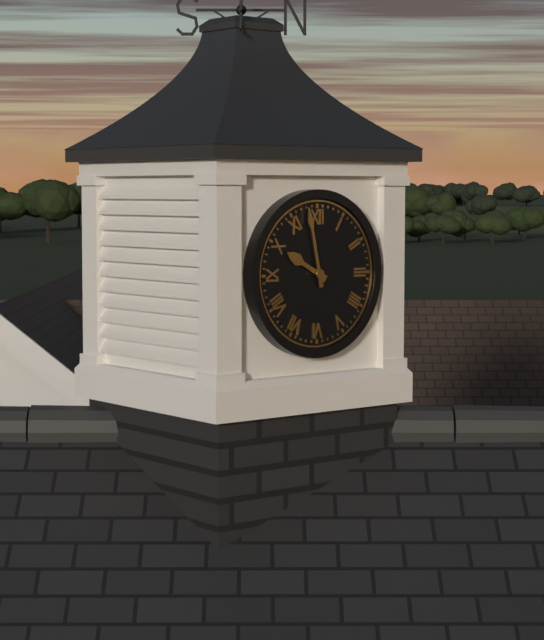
9:58
